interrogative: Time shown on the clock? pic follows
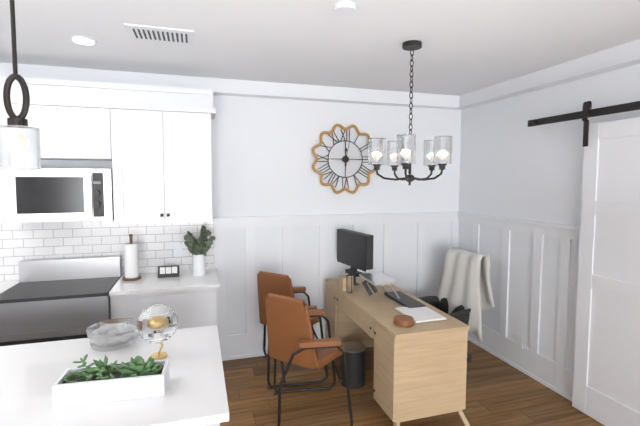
12:02
